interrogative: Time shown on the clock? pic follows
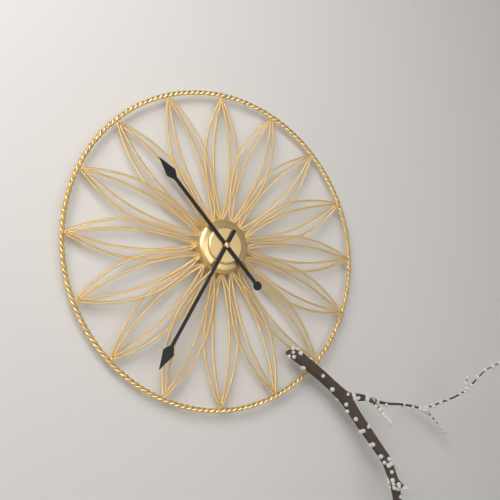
10:35
